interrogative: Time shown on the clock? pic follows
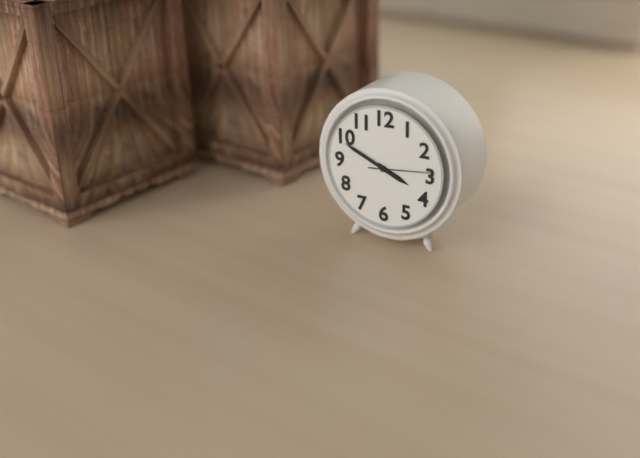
3:49:14
